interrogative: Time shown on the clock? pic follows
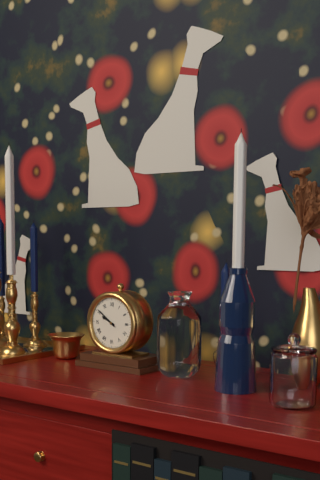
9:51
